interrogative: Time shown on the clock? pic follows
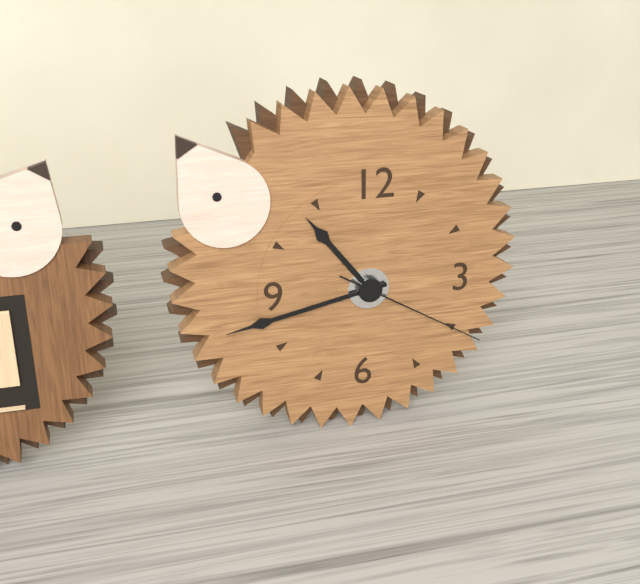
10:43:20
